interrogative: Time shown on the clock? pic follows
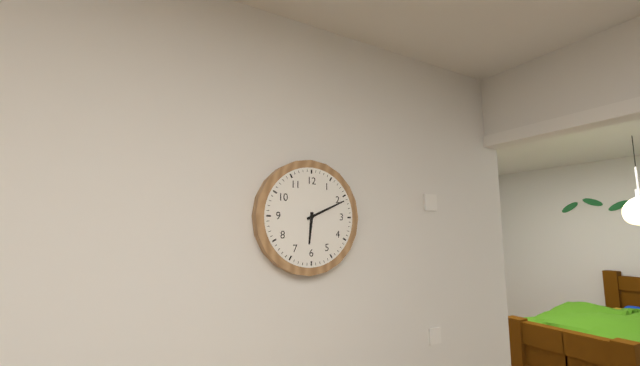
6:11
